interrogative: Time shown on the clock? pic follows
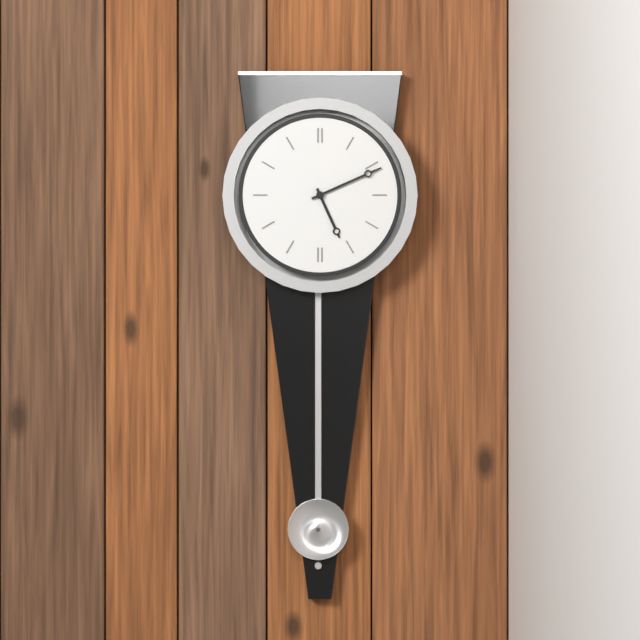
5:11
